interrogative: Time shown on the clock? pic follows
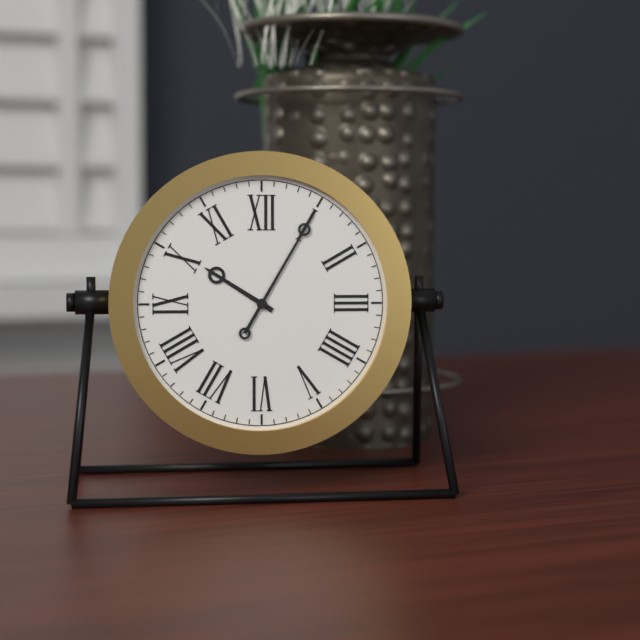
10:05
